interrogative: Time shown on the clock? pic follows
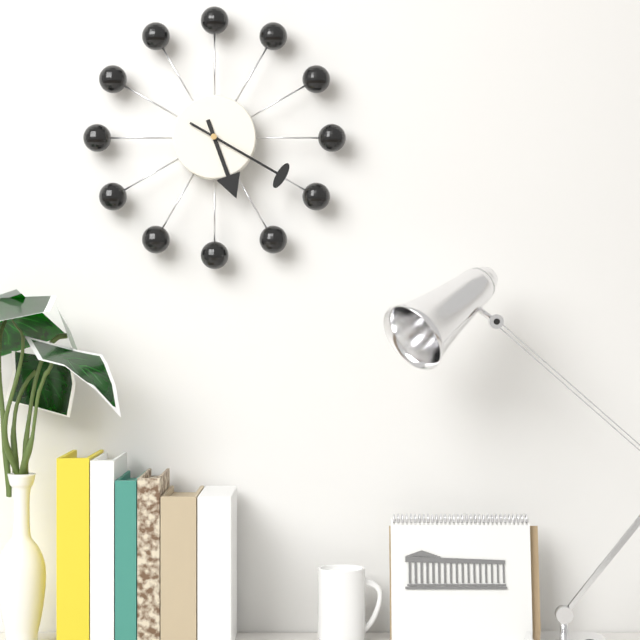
5:20
